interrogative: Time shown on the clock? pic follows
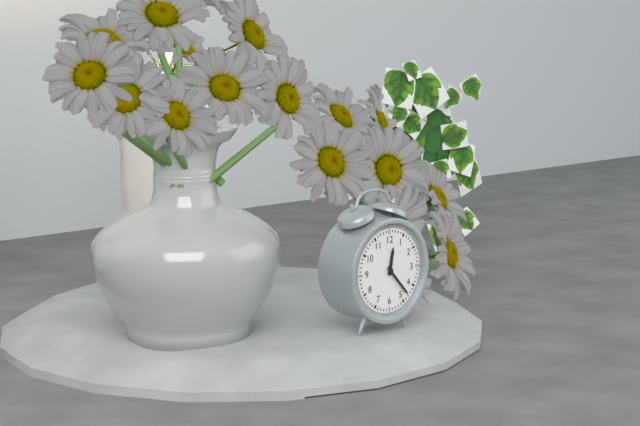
12:23
